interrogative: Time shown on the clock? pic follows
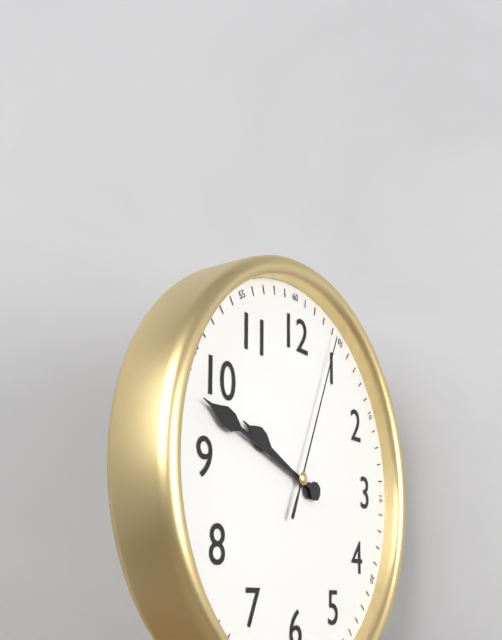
9:48:04
